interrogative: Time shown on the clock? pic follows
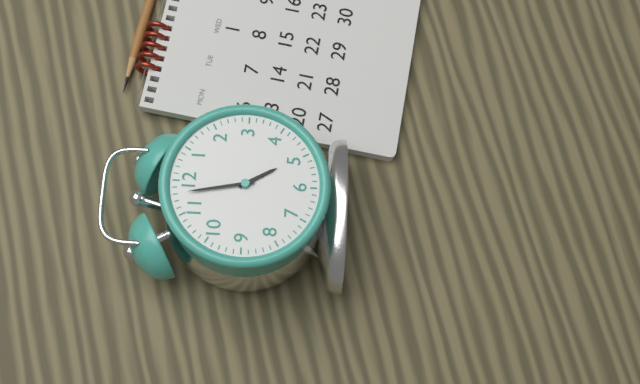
4:58
